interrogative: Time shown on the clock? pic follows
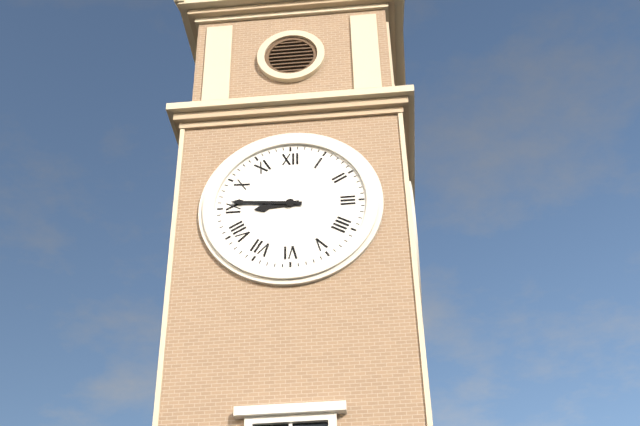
8:46
